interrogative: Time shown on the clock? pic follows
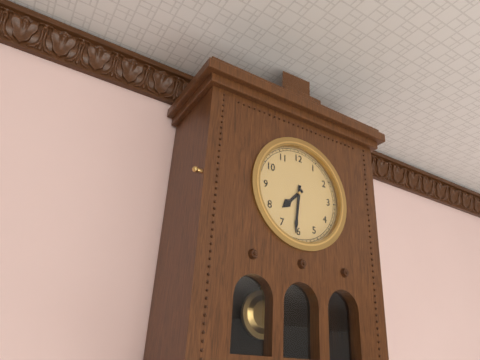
7:31
